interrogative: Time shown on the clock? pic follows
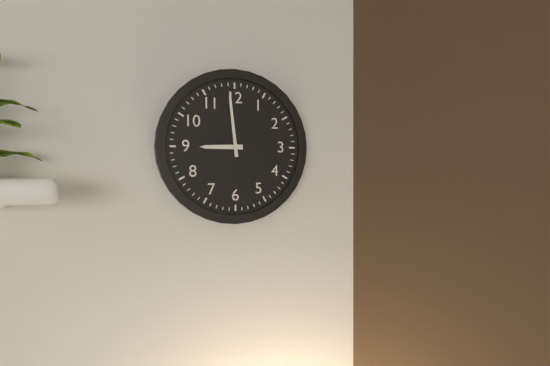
8:59
